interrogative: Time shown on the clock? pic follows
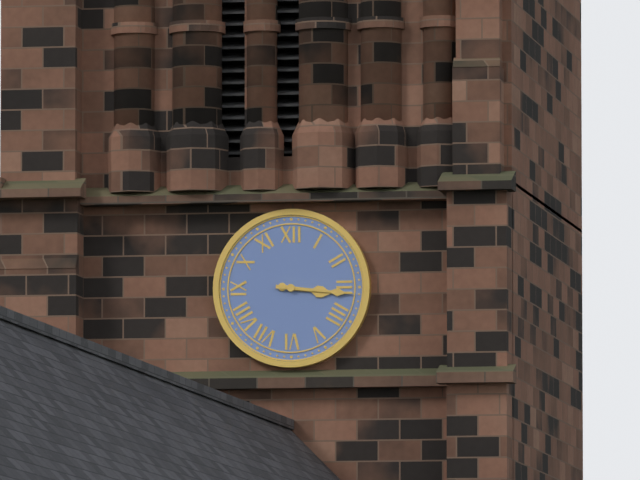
3:16
